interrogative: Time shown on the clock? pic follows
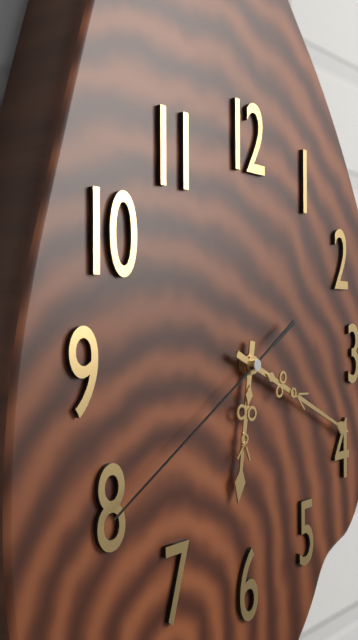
6:19:40
